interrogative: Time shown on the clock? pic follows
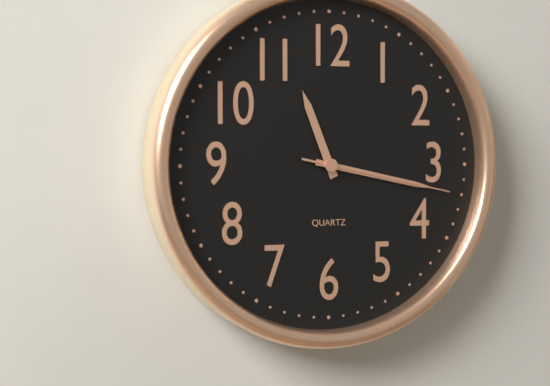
11:17:17
